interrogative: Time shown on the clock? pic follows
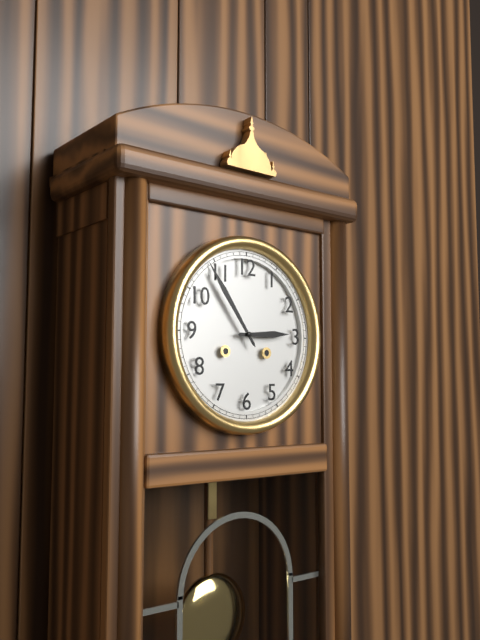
2:54
